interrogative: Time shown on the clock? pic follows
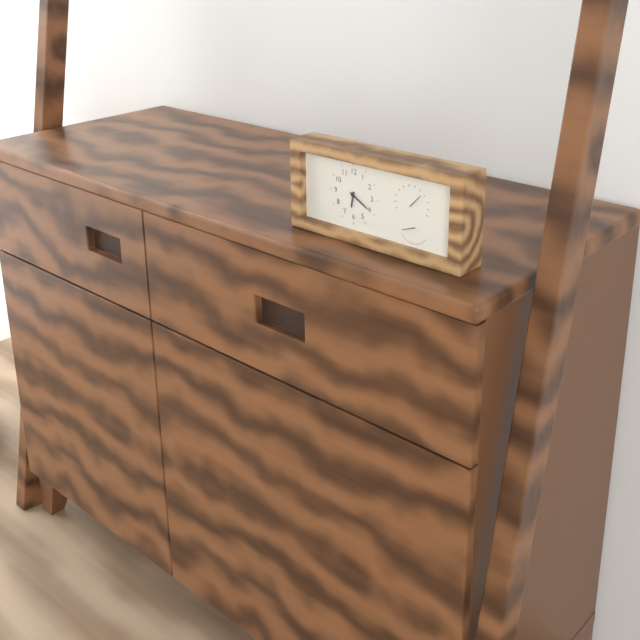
6:20
